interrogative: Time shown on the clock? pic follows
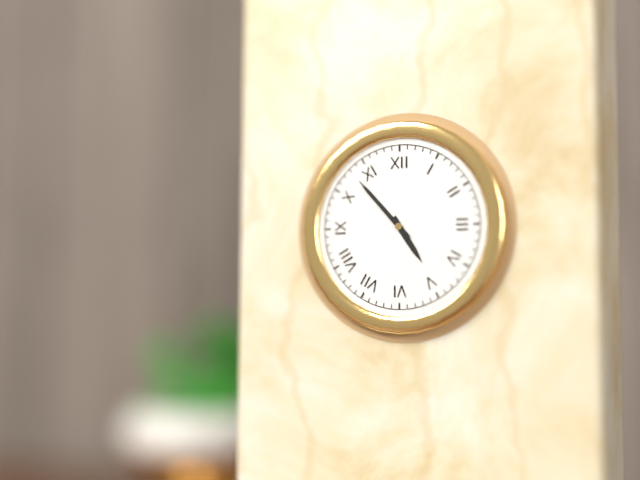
4:53
